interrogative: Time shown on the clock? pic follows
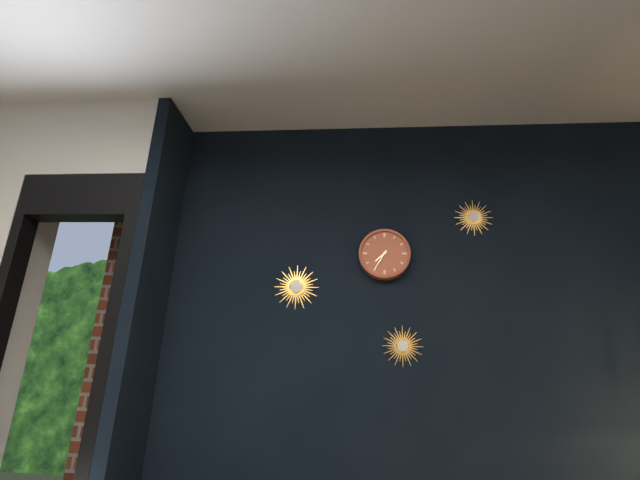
7:35
